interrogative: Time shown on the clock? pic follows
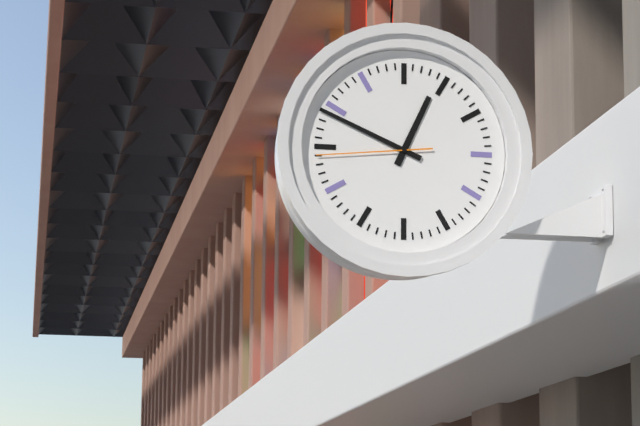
12:49:44
